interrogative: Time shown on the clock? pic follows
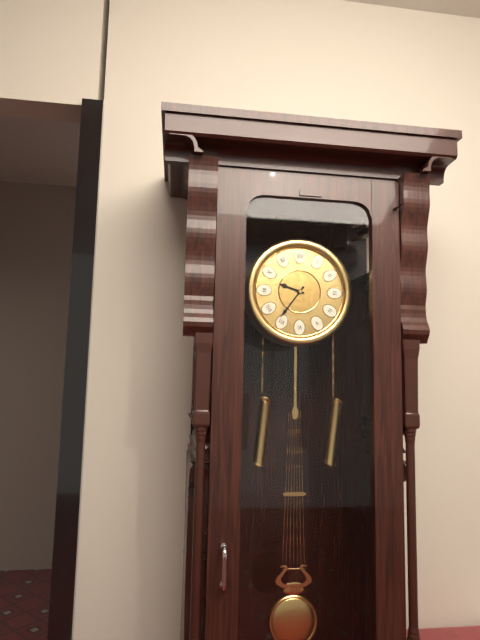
9:36
